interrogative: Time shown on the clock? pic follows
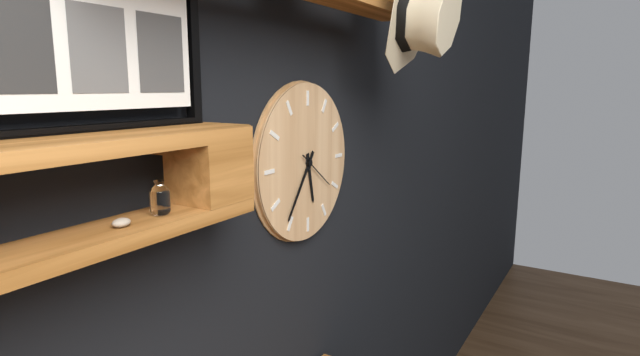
5:36
